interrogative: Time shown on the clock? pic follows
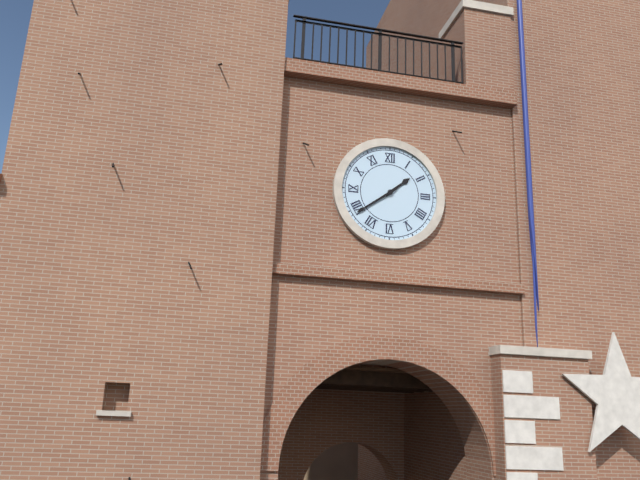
1:39
